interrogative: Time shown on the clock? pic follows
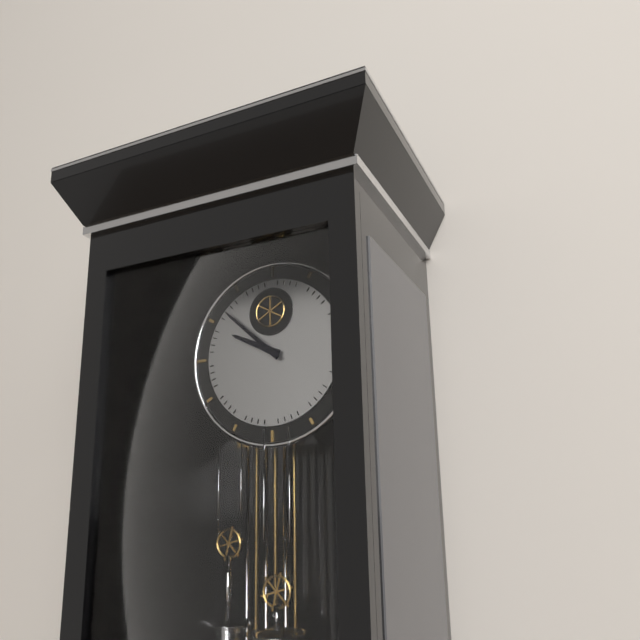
9:52
